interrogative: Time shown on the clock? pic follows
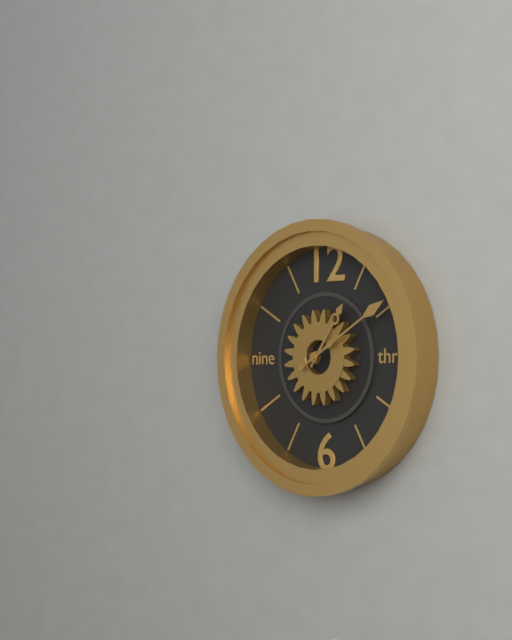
1:10
